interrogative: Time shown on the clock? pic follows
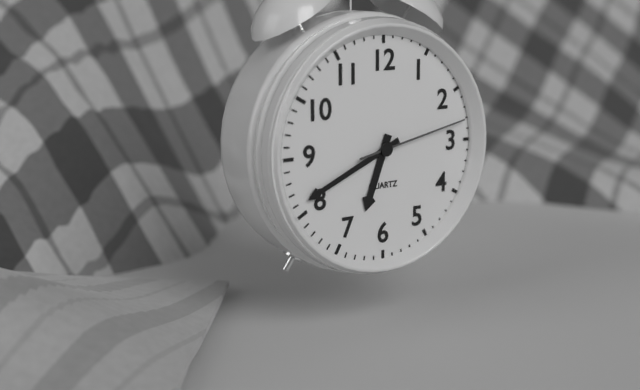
6:41:13
